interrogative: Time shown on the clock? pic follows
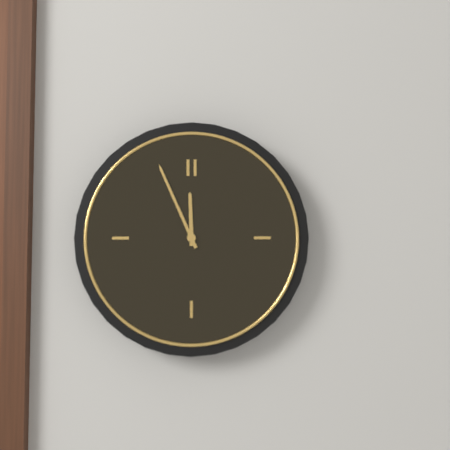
11:56
